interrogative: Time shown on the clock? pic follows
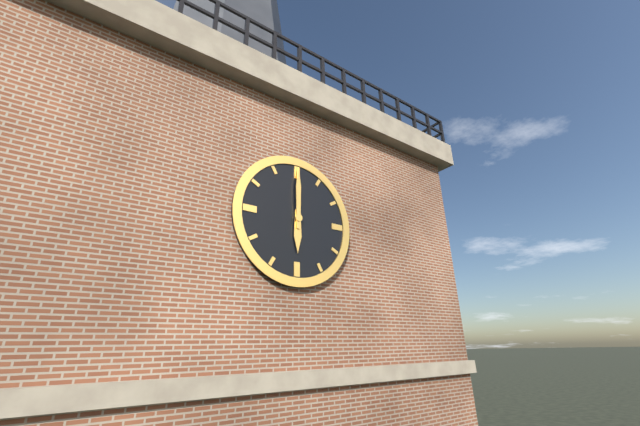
6:00
